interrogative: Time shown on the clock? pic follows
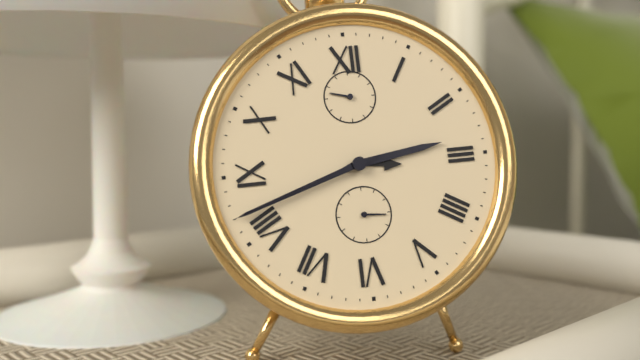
2:42
